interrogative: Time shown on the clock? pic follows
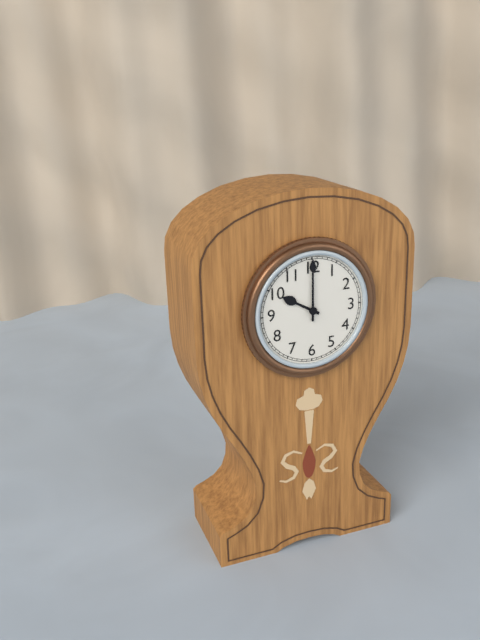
10:00
